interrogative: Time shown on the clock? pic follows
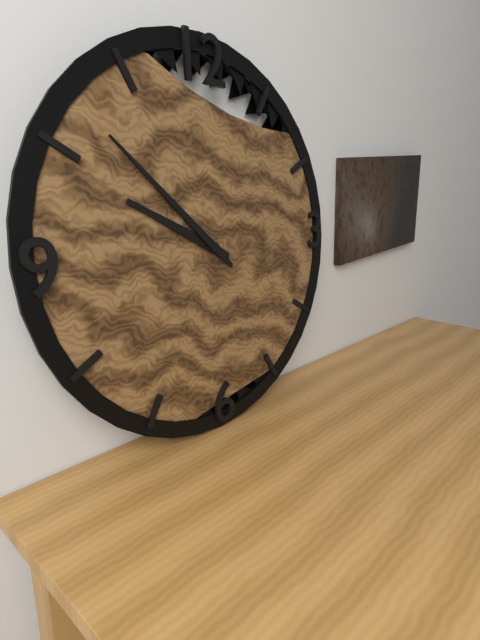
9:52
